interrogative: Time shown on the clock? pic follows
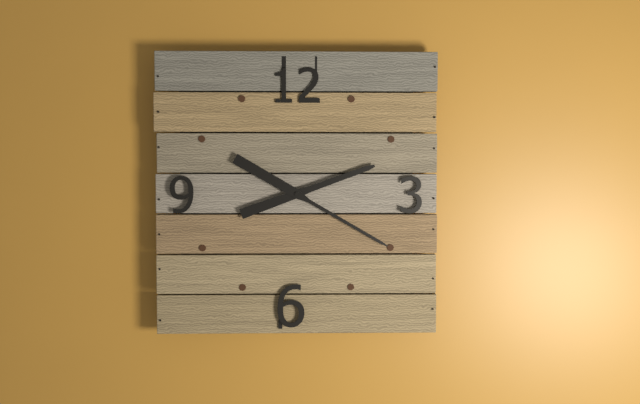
2:20
